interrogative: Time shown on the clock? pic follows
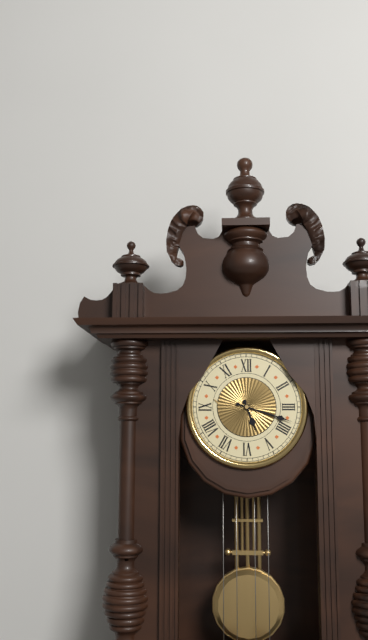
5:18
